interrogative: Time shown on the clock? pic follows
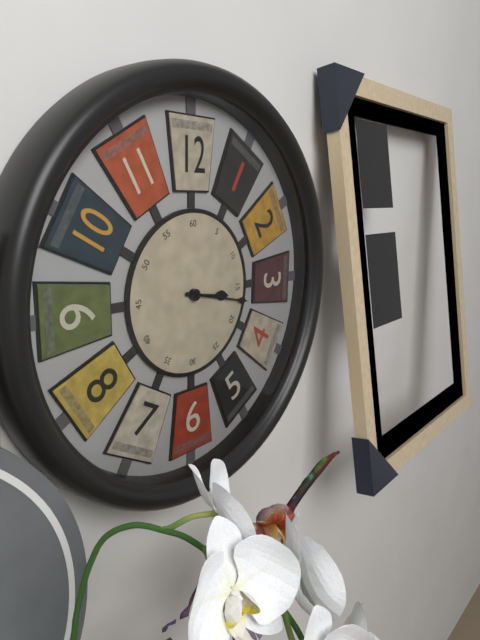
3:17
